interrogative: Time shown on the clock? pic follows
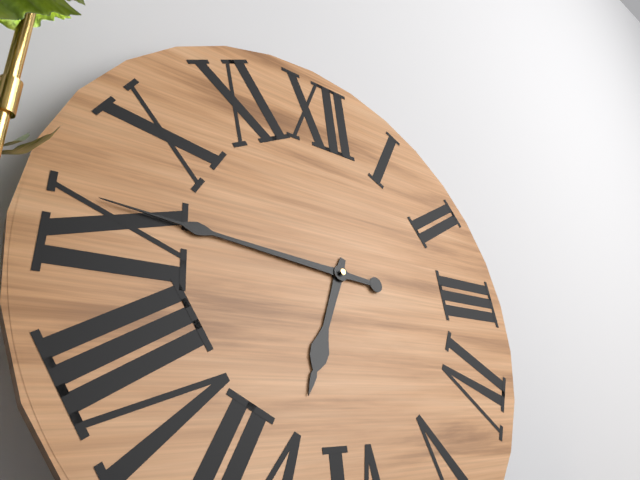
6:46
